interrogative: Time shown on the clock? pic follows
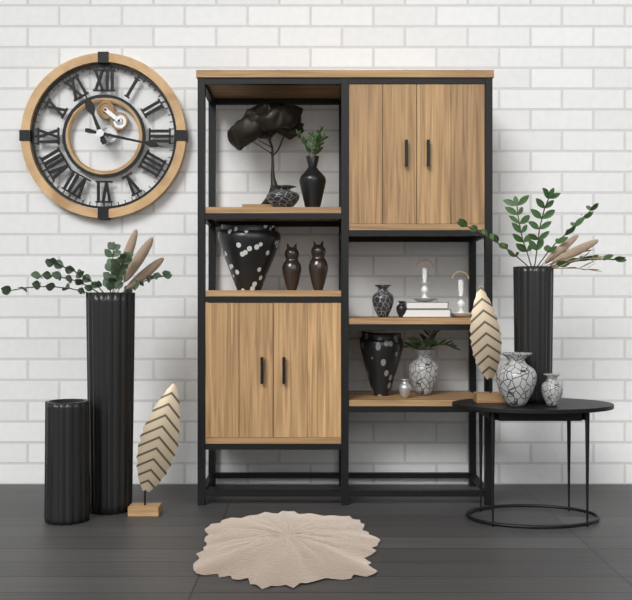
11:17
